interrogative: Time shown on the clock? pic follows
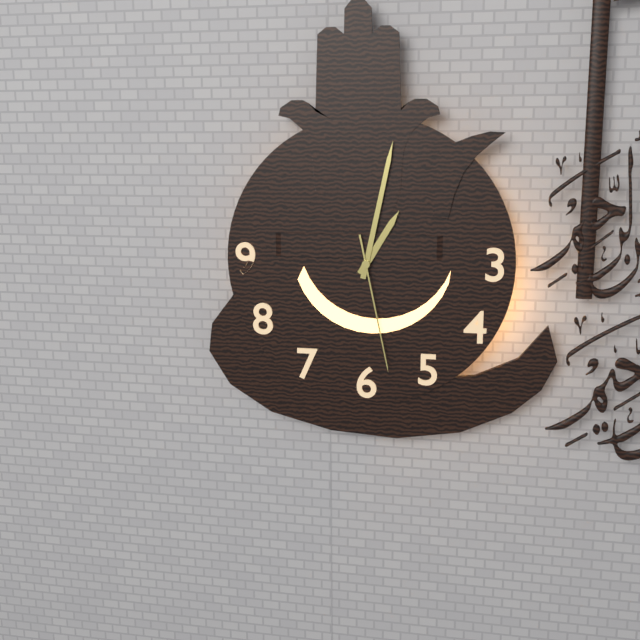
1:02:28
